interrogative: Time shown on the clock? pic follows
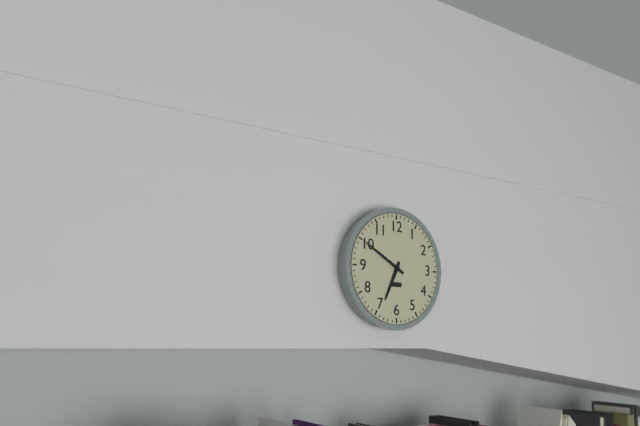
6:50
